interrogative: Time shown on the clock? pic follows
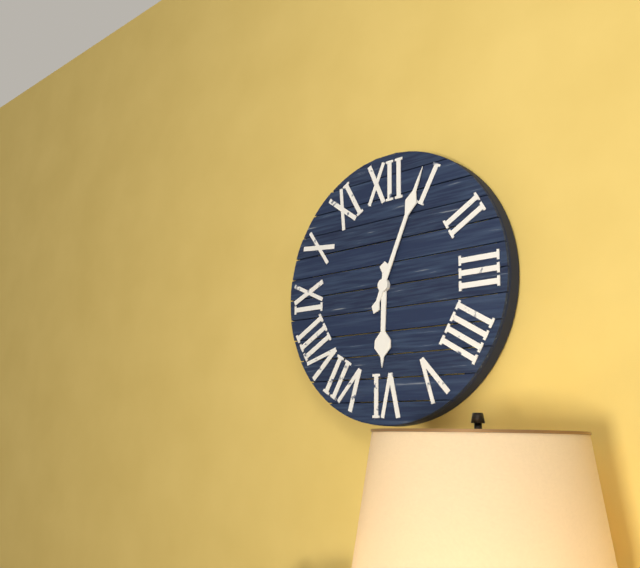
6:04
